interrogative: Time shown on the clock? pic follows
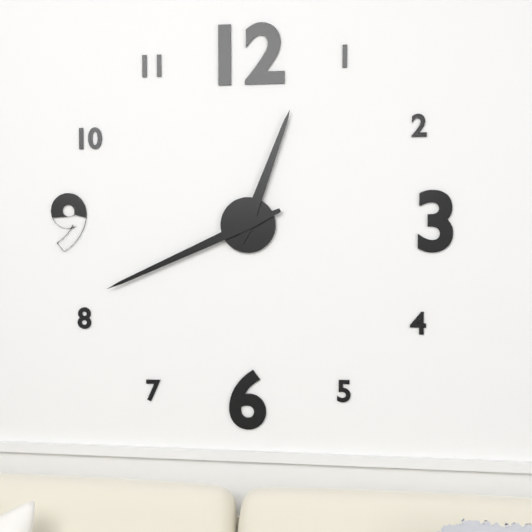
12:41
